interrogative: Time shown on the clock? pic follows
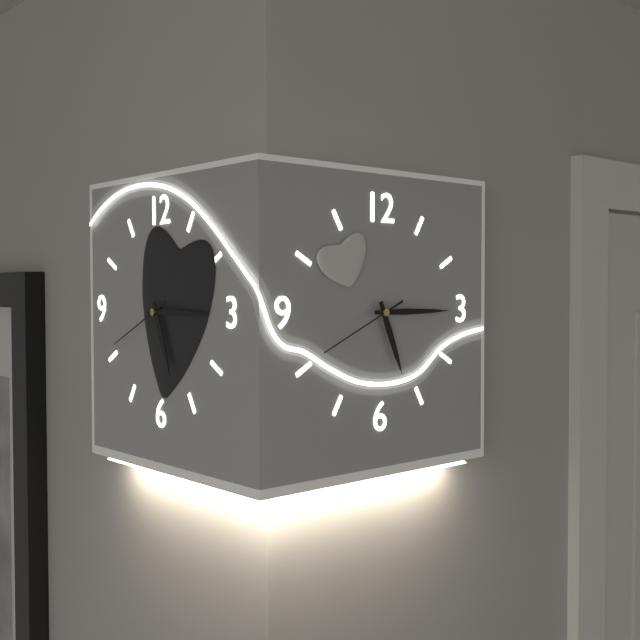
5:15:41
